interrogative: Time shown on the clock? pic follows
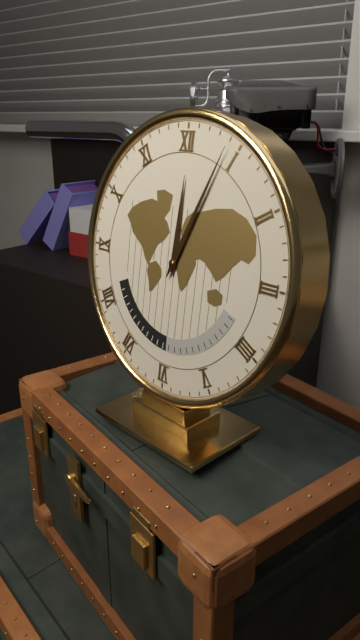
12:04
